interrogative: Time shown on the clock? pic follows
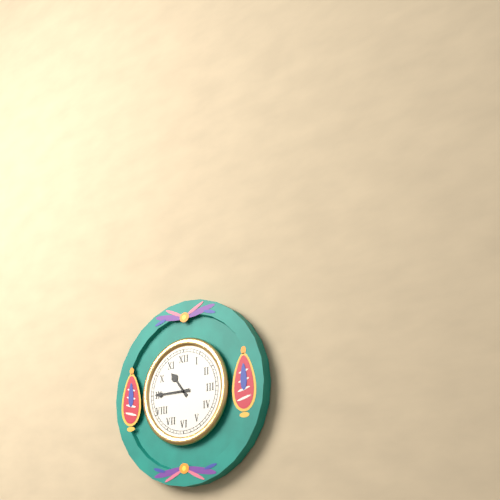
10:45
